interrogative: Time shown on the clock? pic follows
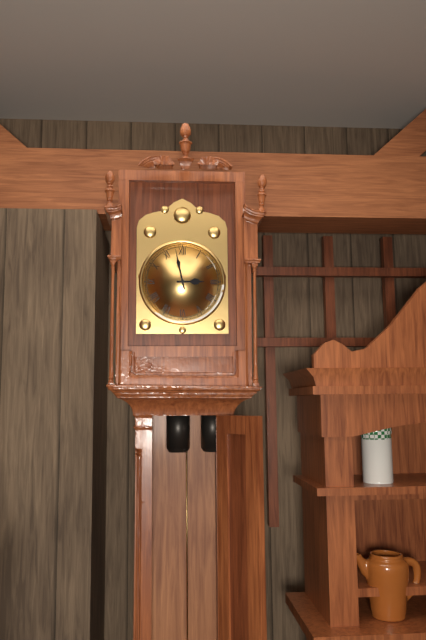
2:58
